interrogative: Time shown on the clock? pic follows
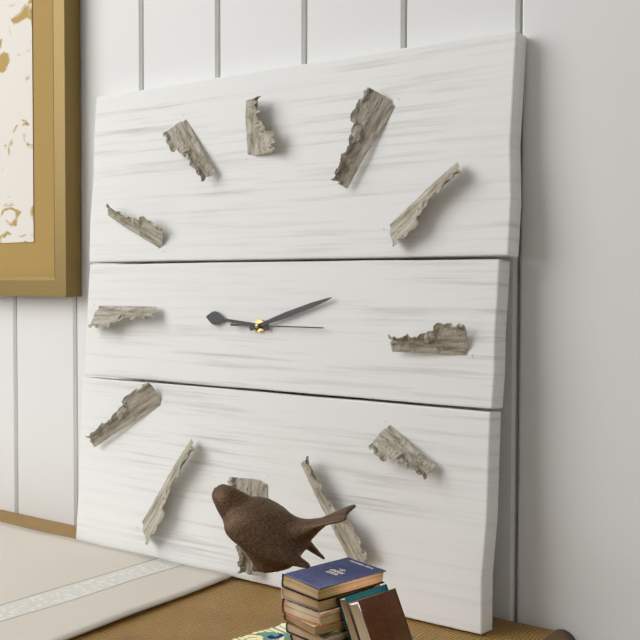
9:12:15
